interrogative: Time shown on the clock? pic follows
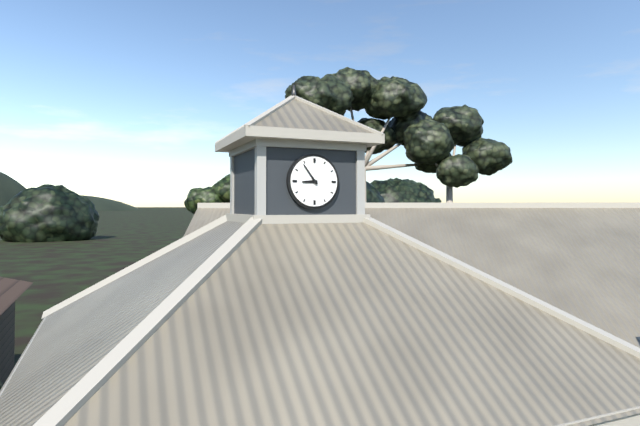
8:54
